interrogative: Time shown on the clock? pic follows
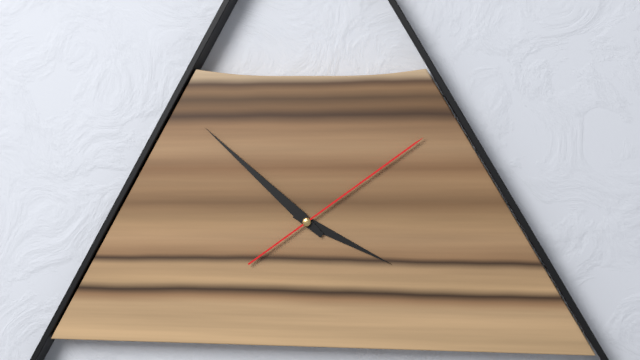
3:52:09
